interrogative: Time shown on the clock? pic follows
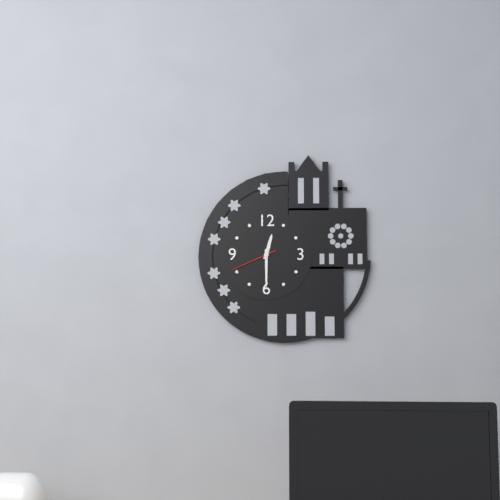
12:30
